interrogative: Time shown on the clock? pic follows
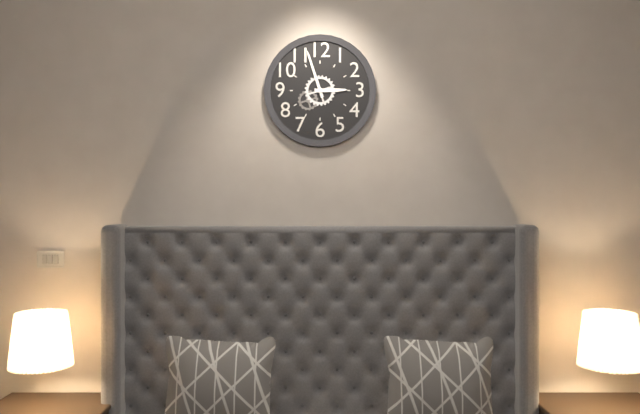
2:57
